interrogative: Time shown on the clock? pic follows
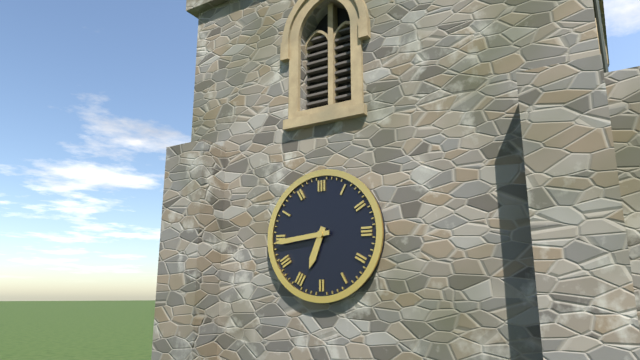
6:44
